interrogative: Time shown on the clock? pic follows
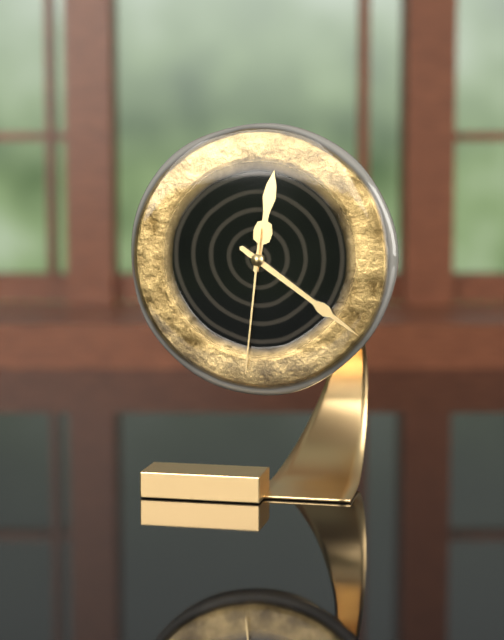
12:21:31
